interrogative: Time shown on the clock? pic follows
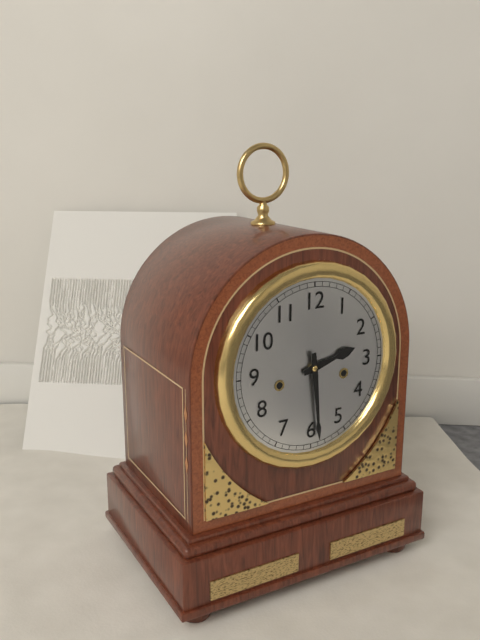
2:29
